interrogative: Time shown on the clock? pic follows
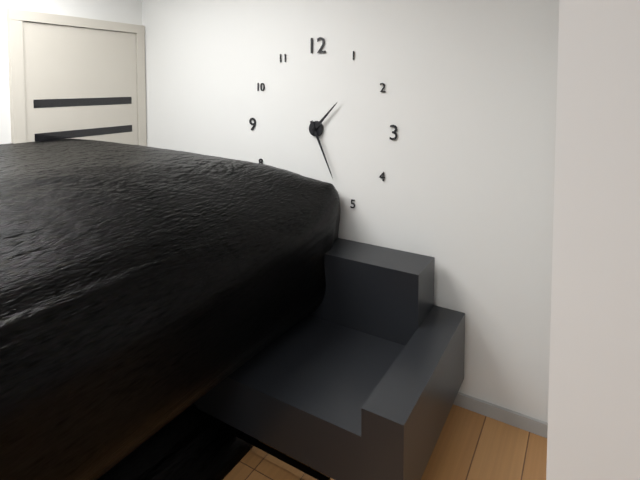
1:26
